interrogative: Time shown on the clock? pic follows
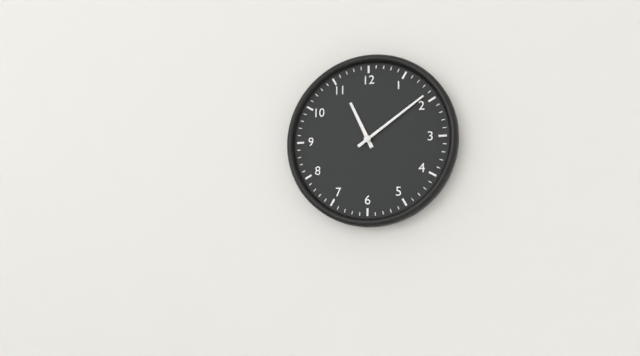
11:09
